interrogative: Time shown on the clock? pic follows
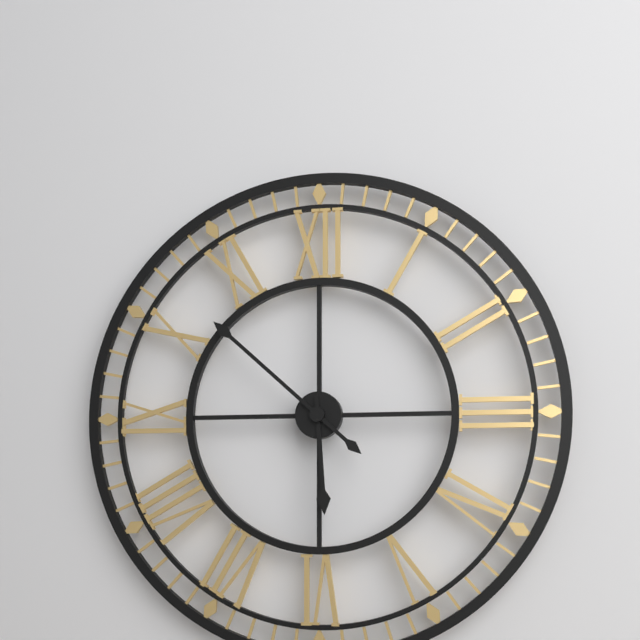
5:52
